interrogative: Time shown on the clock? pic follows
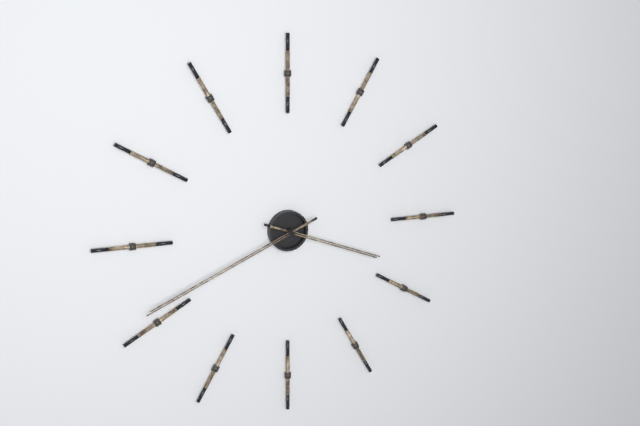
3:41
